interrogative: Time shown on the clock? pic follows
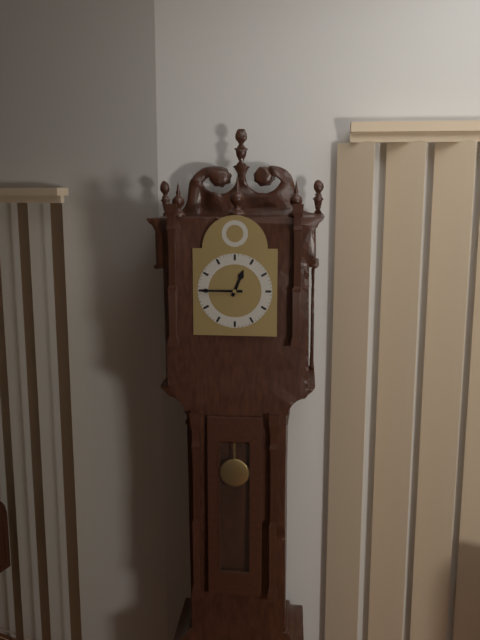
12:45
